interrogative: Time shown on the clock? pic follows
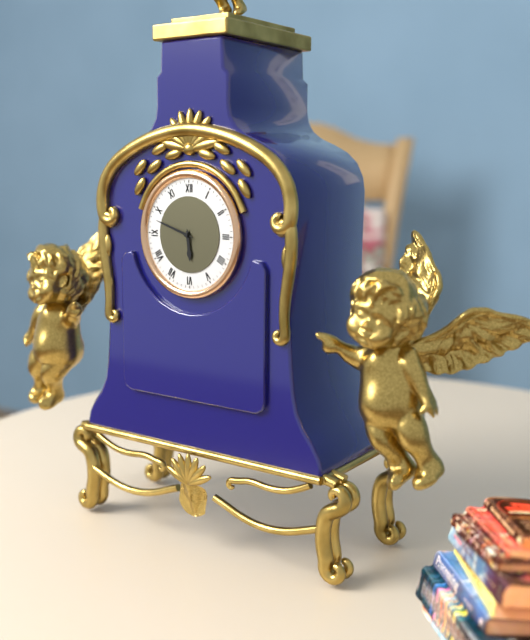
5:48
